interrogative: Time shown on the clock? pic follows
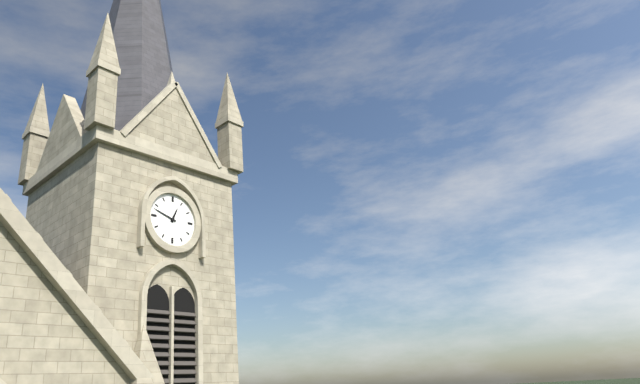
12:48
